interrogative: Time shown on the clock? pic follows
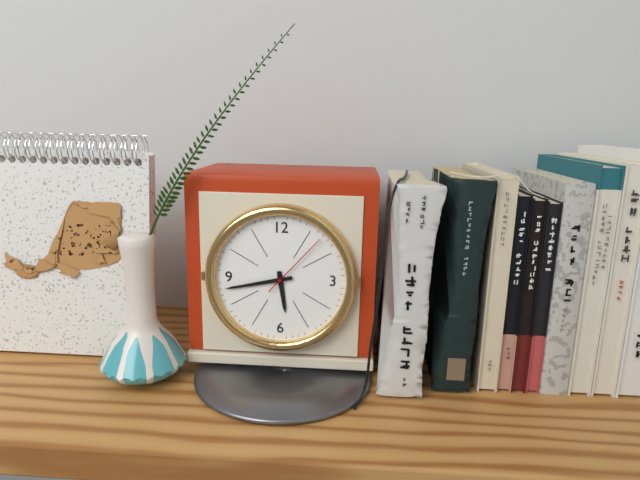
5:43:07
